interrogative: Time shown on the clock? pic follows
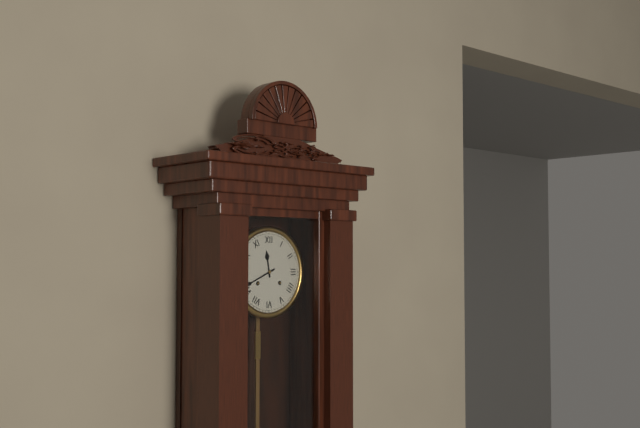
11:41
